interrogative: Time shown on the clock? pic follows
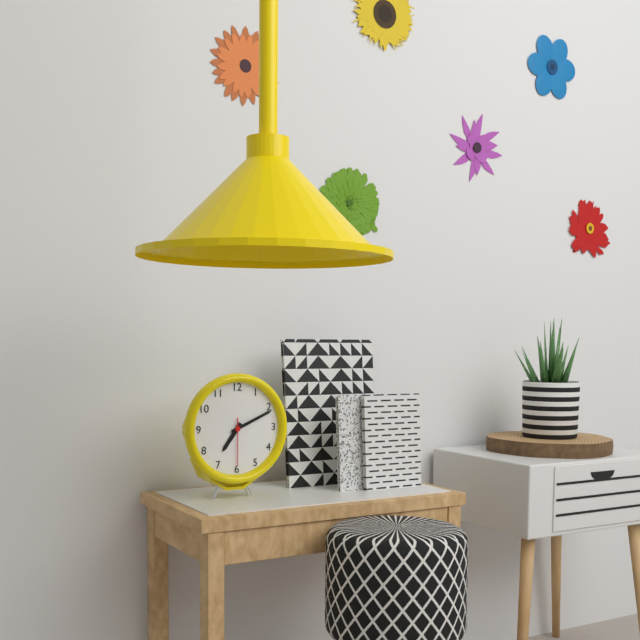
7:11
